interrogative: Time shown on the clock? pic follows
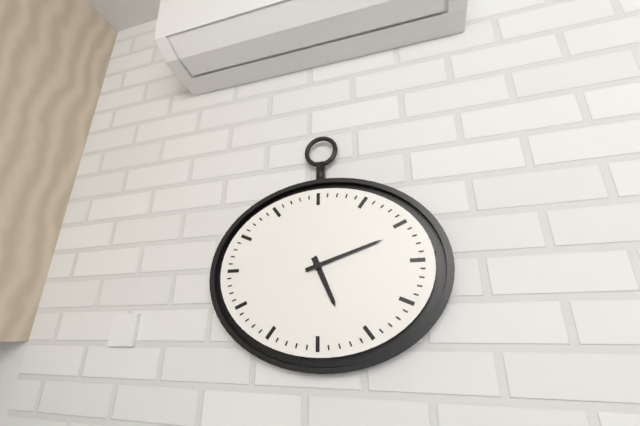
5:12
